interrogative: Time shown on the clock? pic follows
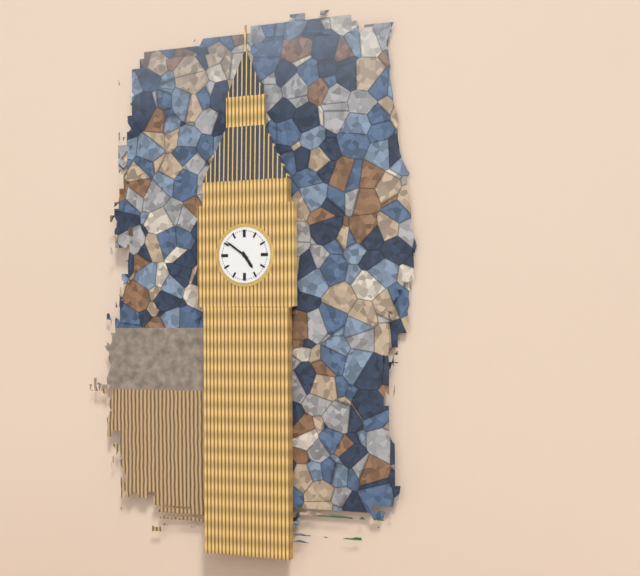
4:51
